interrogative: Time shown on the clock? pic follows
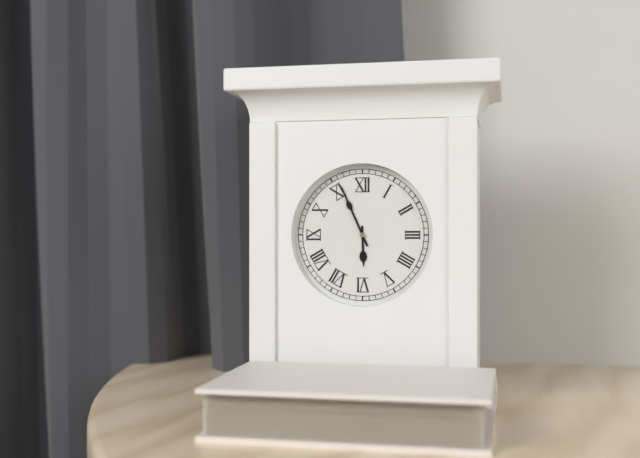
5:56
